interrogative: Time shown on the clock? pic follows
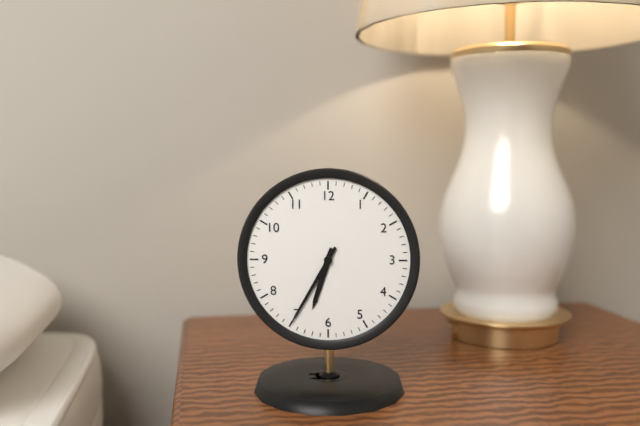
6:35
